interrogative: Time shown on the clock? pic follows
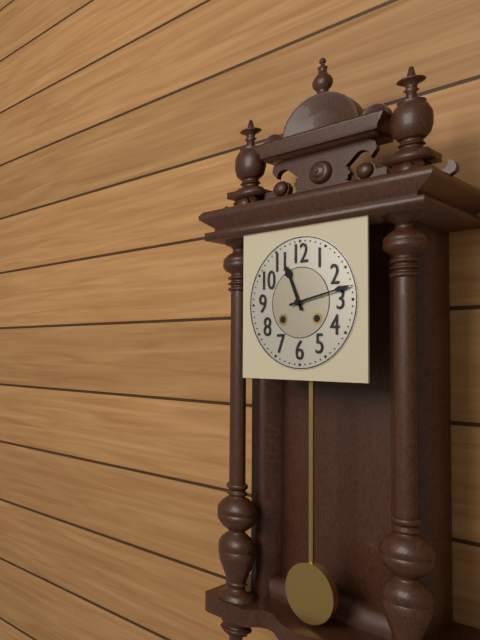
11:13
